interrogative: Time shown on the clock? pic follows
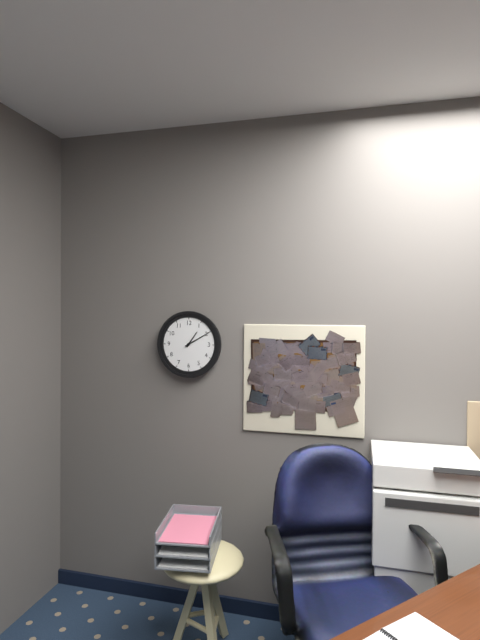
1:10
